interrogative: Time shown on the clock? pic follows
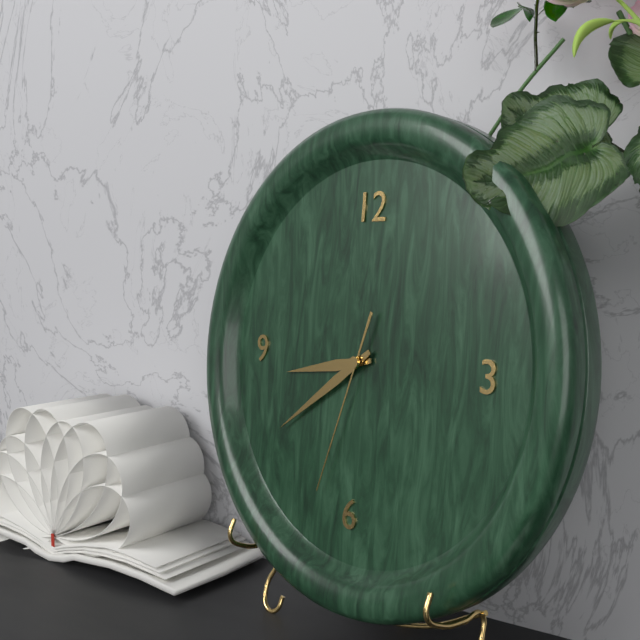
8:39:33
